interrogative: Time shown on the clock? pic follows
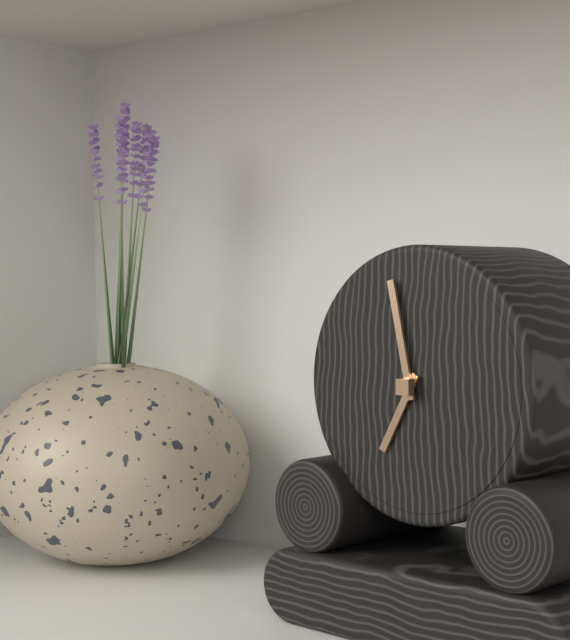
6:58
